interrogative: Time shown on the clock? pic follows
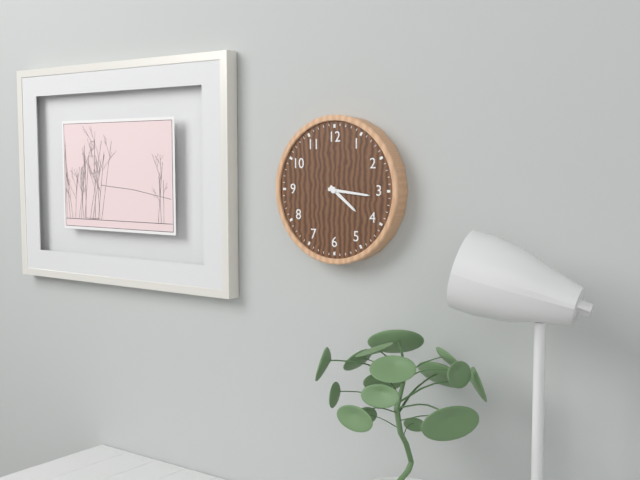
4:16
